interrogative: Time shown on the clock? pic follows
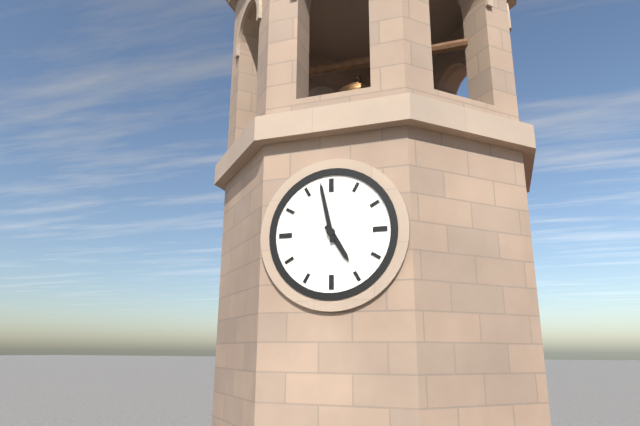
4:58
